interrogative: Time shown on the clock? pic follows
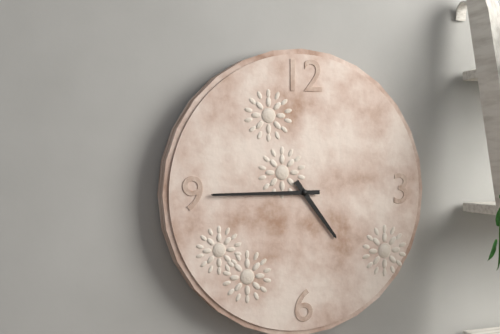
4:45
